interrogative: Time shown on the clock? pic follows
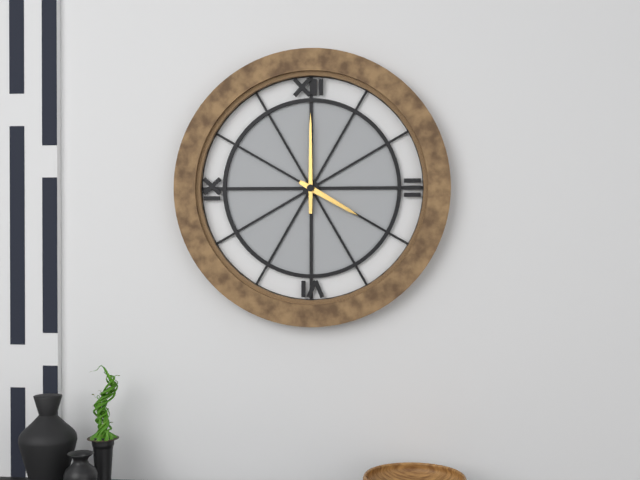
4:00
